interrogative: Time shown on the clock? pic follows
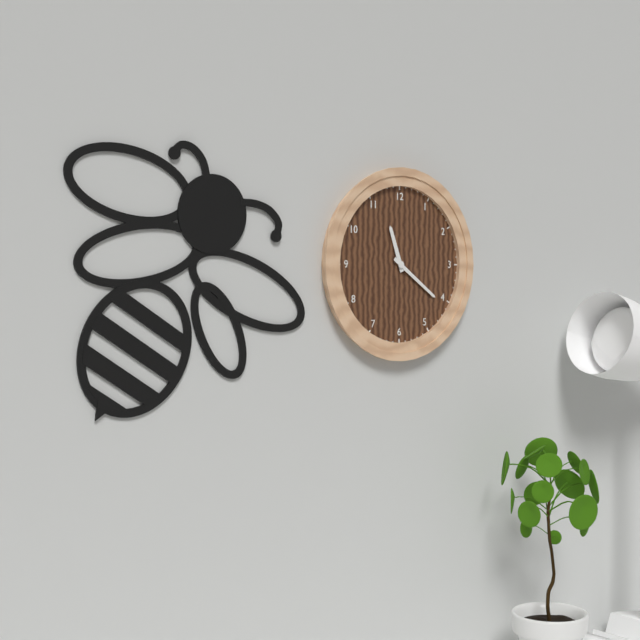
11:21
